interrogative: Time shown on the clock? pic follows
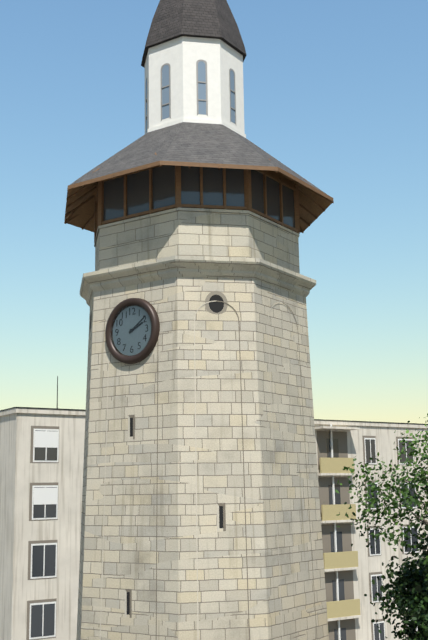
2:09
